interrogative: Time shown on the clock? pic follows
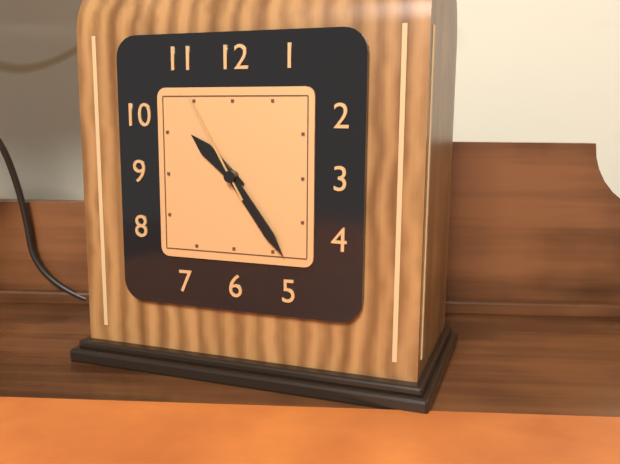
10:24:55
